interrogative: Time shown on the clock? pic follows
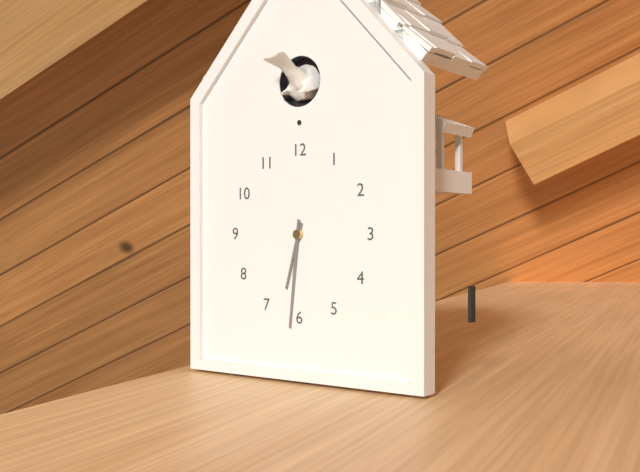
6:31
